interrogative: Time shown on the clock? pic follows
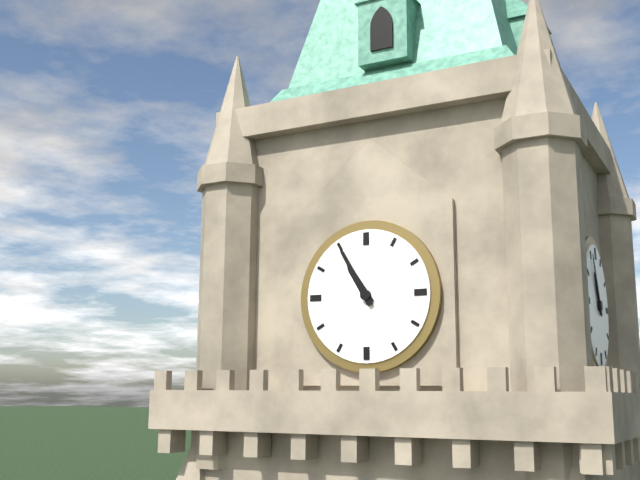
10:55
